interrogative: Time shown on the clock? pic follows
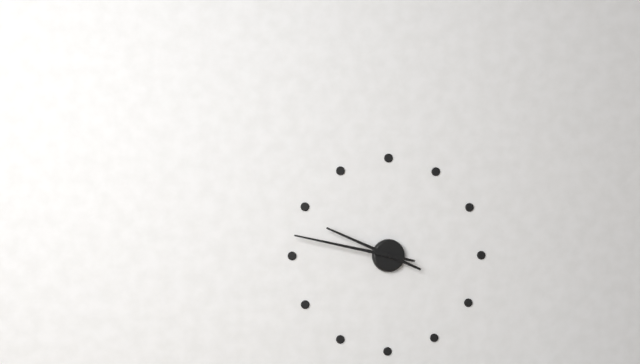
9:47
